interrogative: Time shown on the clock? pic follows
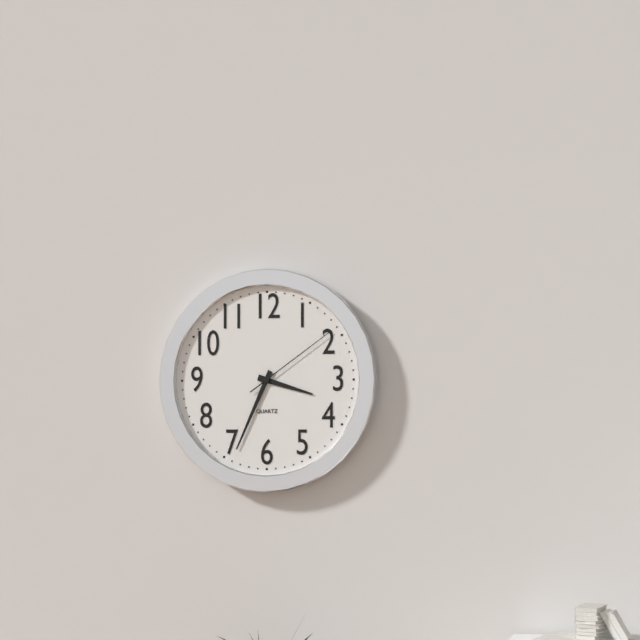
3:34:09
